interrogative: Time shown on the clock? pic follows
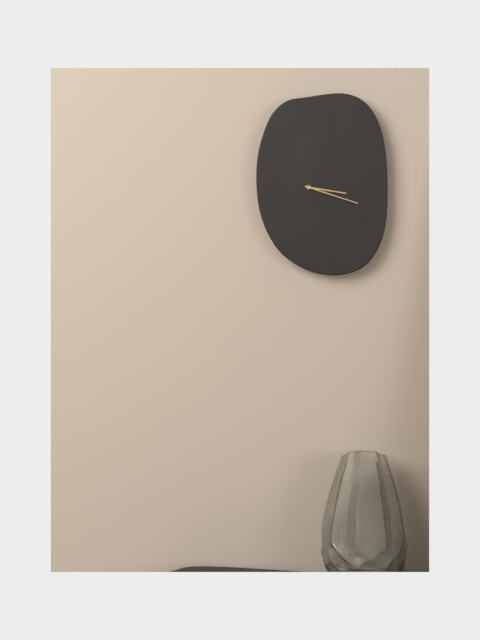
3:18
